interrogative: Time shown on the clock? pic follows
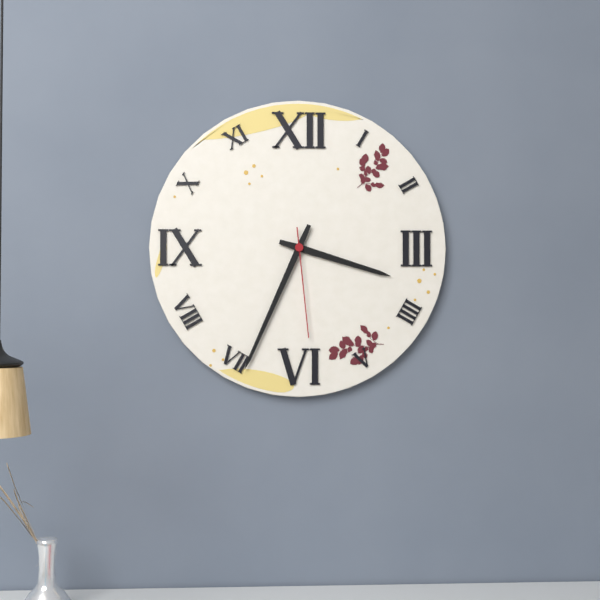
3:34:29
